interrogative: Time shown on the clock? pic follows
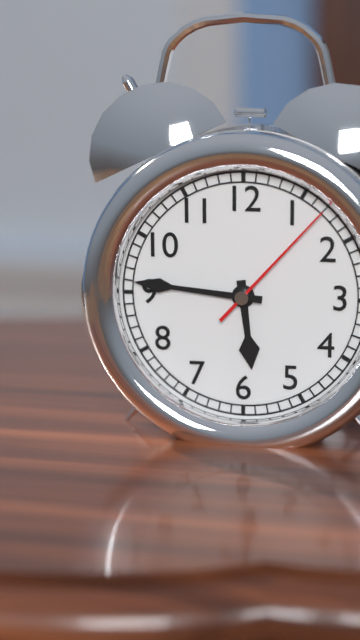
5:46:07
